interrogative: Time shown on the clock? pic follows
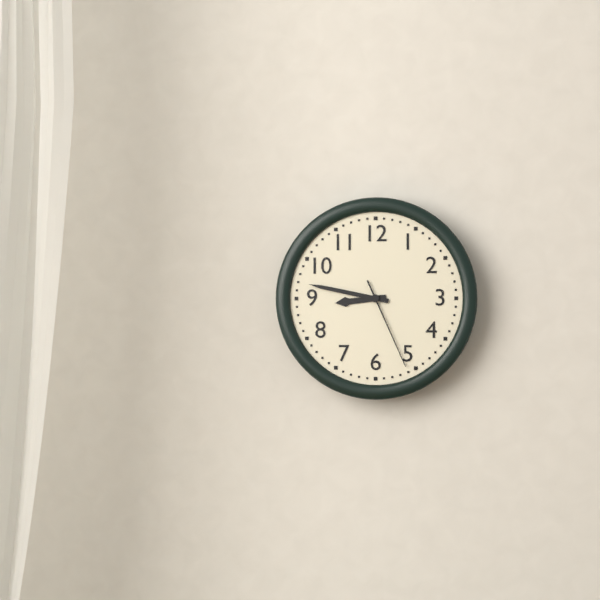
8:47:26
